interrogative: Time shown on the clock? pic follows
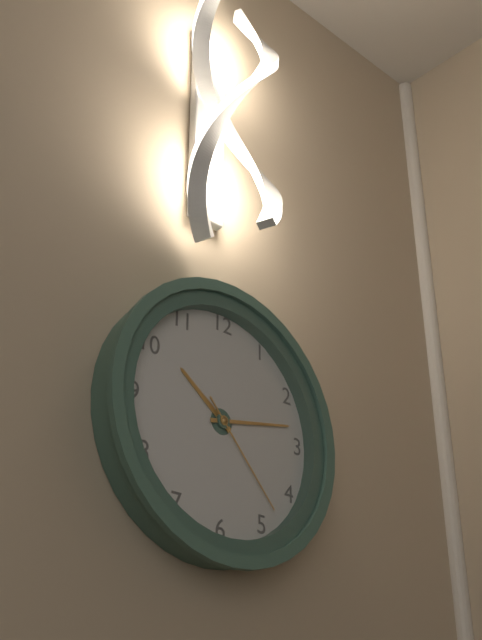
10:13:23
